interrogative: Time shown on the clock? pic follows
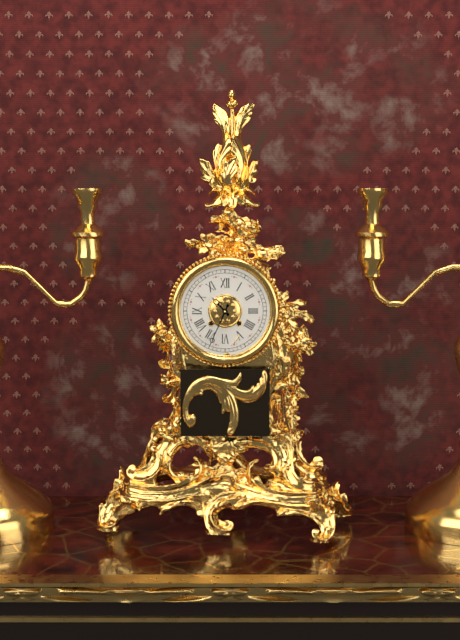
10:34
